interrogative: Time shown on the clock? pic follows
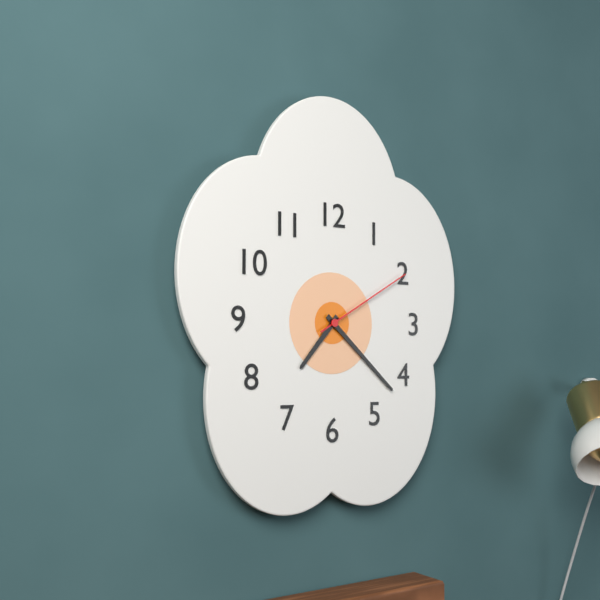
7:22:10
